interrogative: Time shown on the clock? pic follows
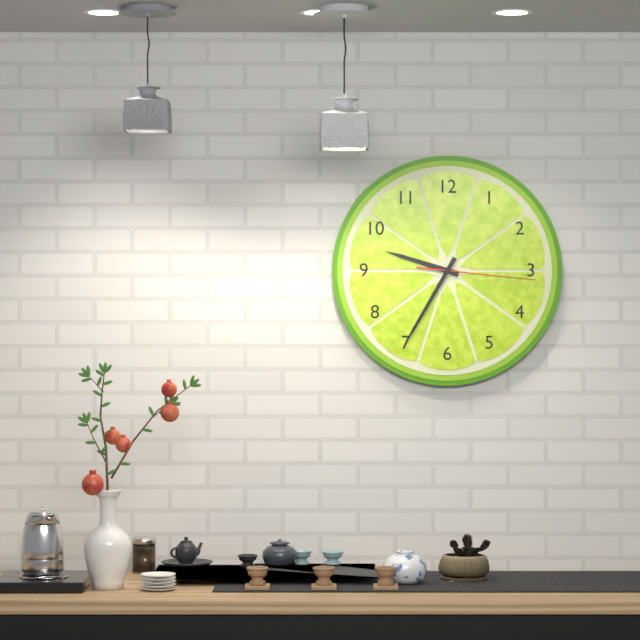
9:35:16
